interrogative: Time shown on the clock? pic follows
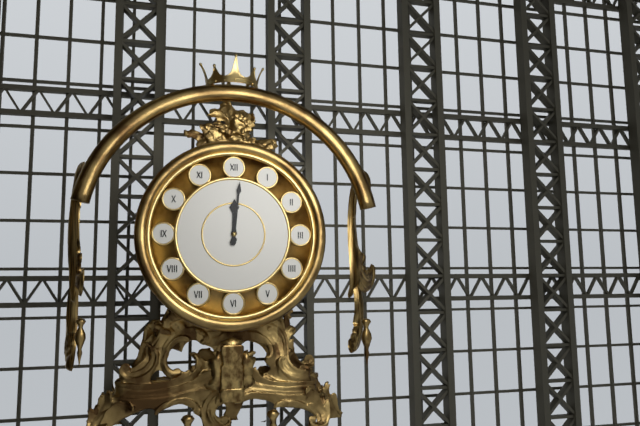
12:01
